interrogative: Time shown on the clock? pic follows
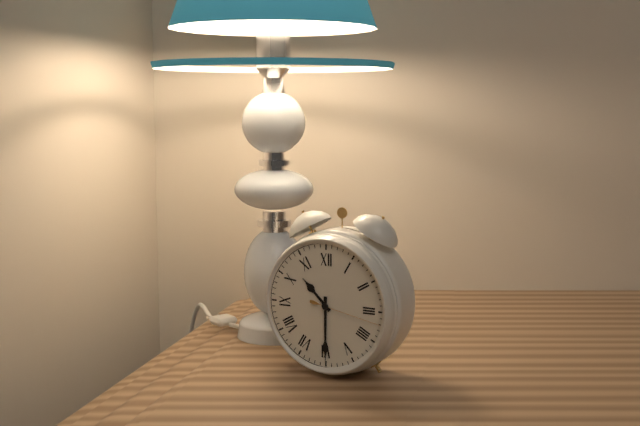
10:30:17
